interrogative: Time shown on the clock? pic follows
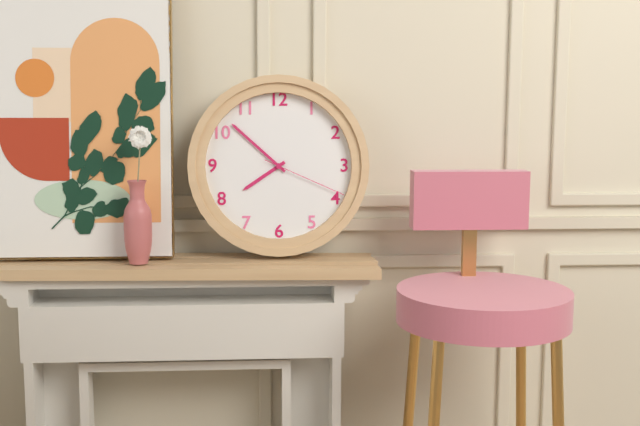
7:52:19
